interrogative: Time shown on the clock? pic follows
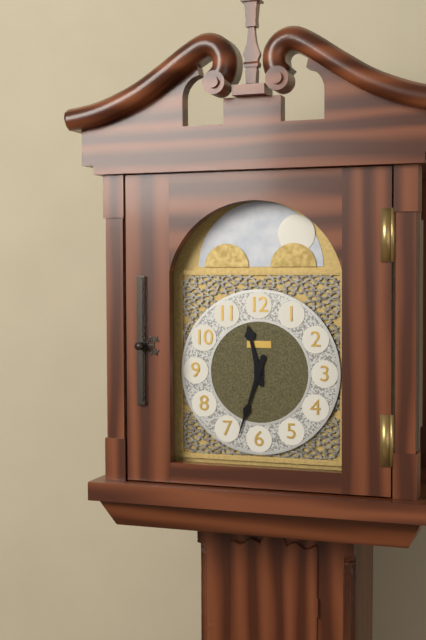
11:33
